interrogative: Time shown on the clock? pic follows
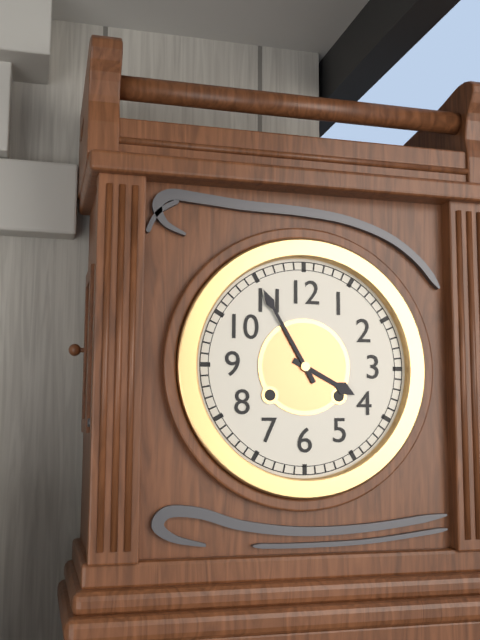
3:55
